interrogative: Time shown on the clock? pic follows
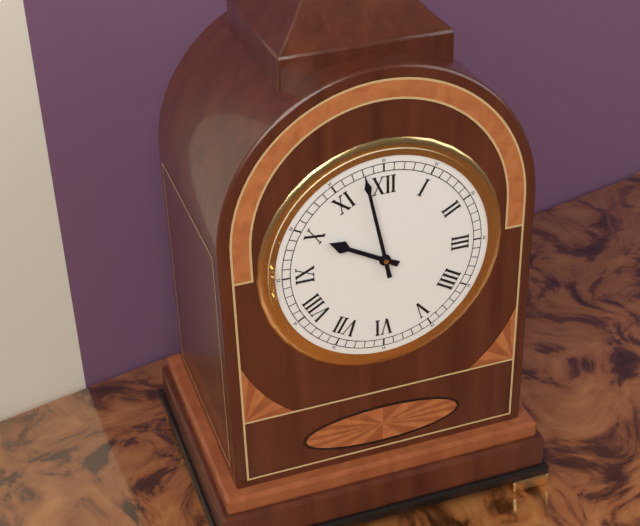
9:58
